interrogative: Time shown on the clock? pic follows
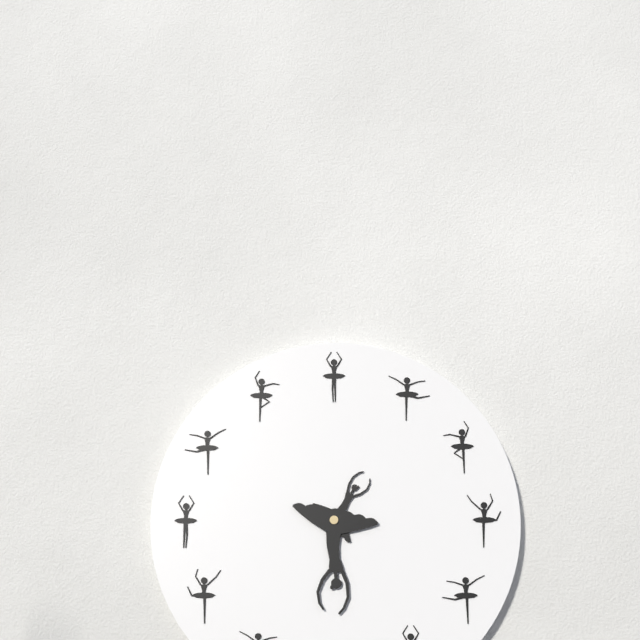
1:32
